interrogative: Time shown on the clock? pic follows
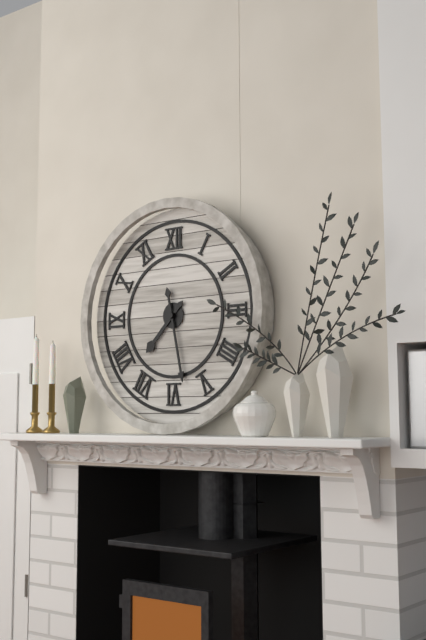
7:28
